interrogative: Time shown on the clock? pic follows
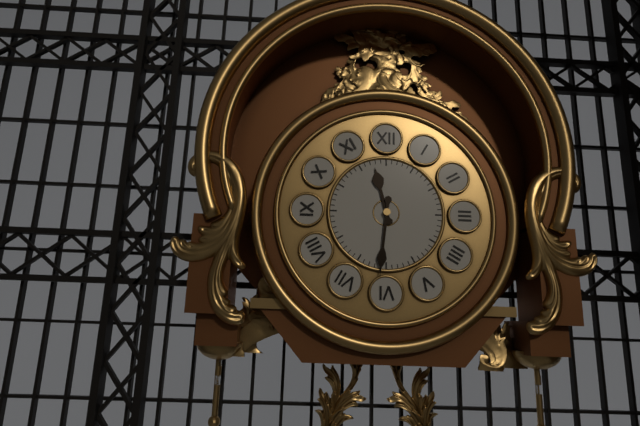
11:31
